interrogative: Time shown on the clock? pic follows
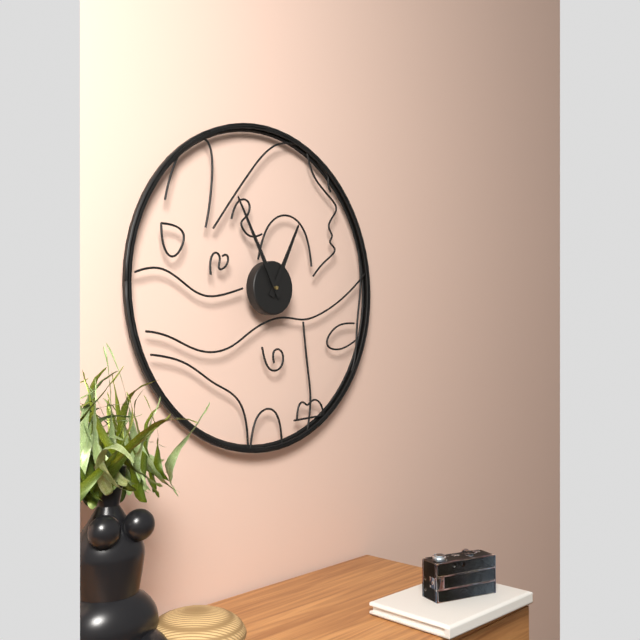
12:55
